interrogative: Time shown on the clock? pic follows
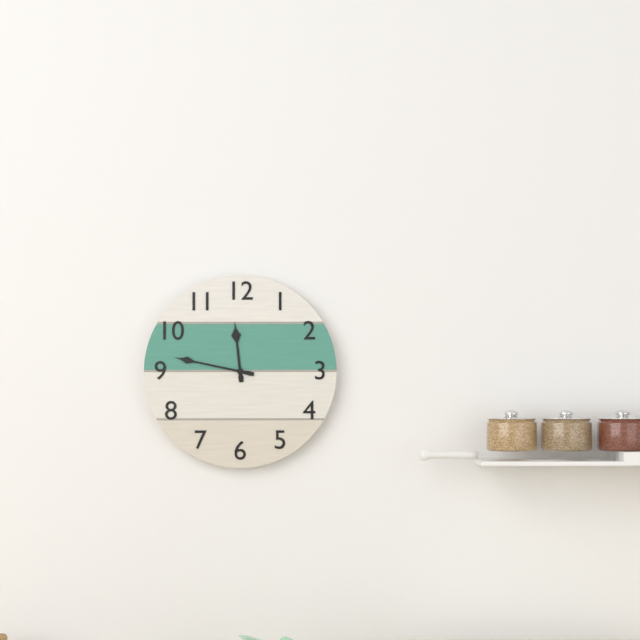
11:47
